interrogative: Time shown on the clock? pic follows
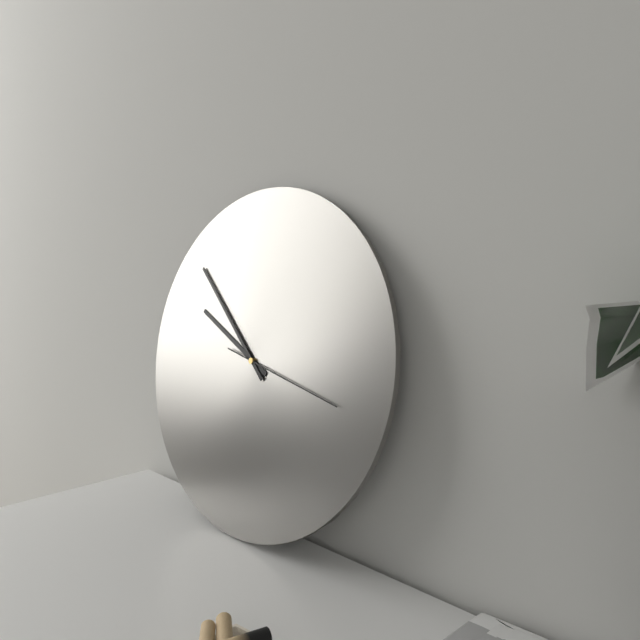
9:52:17
